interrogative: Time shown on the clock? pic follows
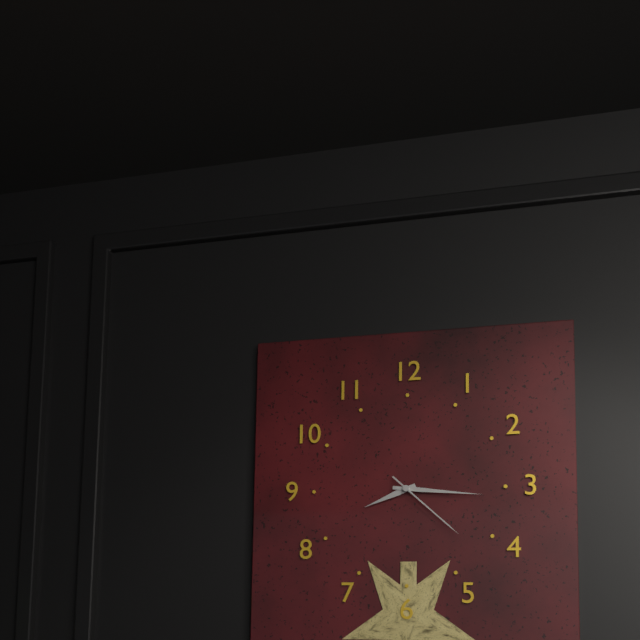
8:16:22
